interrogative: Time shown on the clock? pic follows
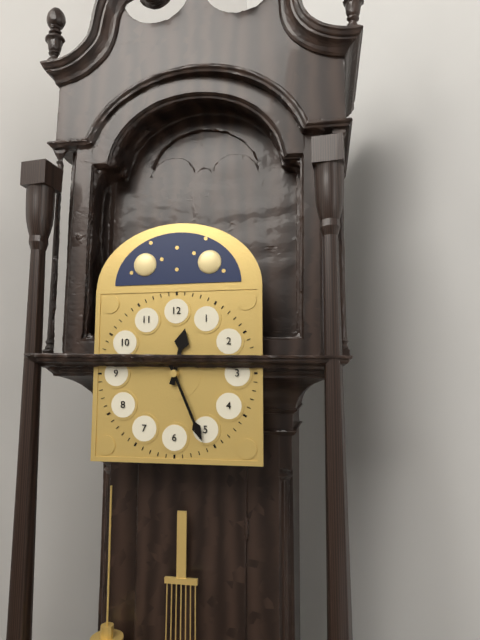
12:26
